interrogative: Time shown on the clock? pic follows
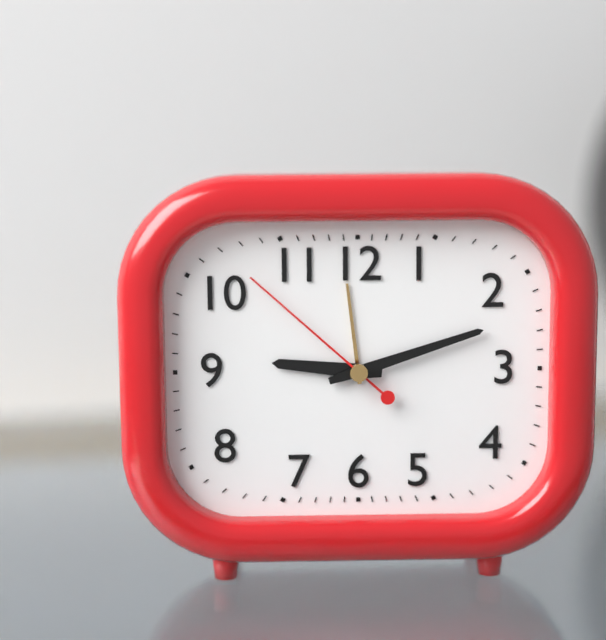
9:12:52
